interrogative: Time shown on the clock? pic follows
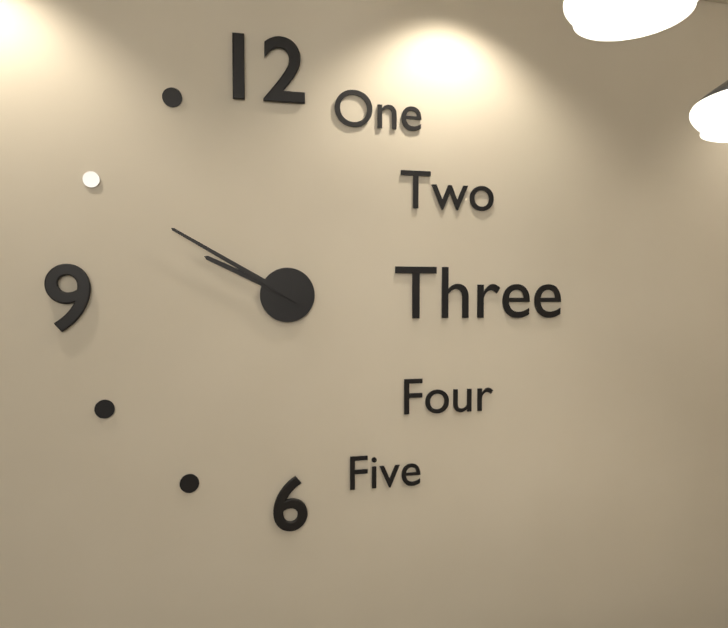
9:50
